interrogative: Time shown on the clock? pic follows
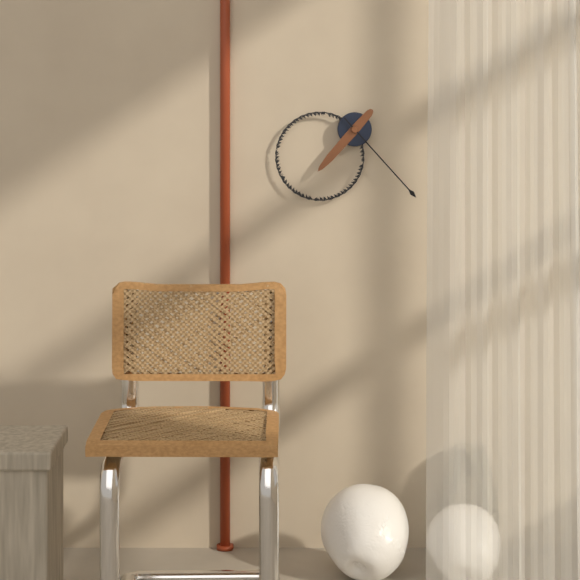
7:23
